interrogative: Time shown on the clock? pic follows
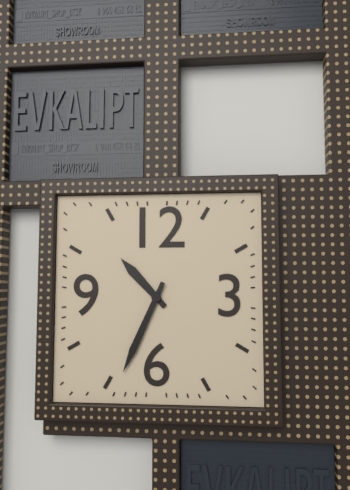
10:34
